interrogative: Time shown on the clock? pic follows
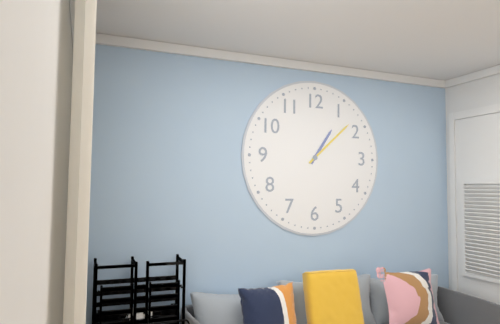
1:08
